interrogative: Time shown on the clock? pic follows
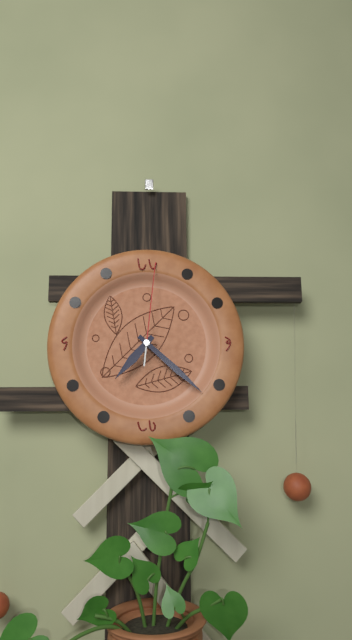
7:22:01
